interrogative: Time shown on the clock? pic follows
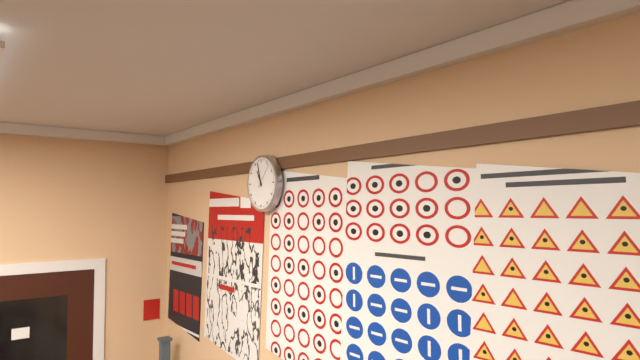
10:57
